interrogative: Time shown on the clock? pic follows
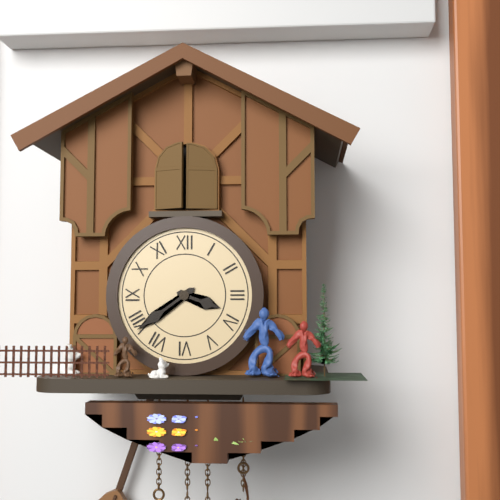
3:39
